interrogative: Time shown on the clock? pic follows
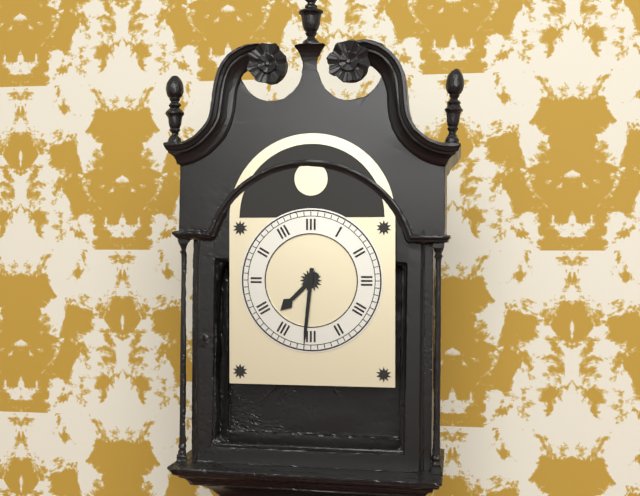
7:31
